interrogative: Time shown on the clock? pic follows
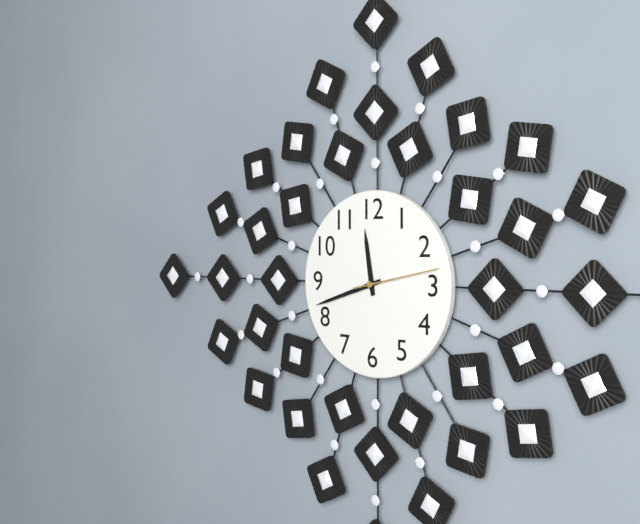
11:42:13
